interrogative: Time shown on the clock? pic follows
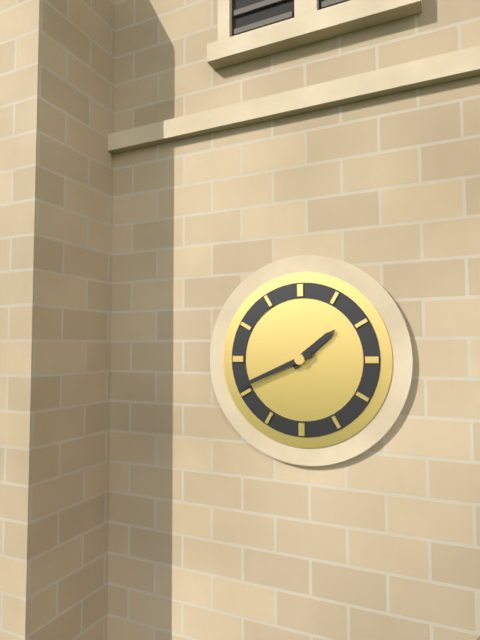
1:41
